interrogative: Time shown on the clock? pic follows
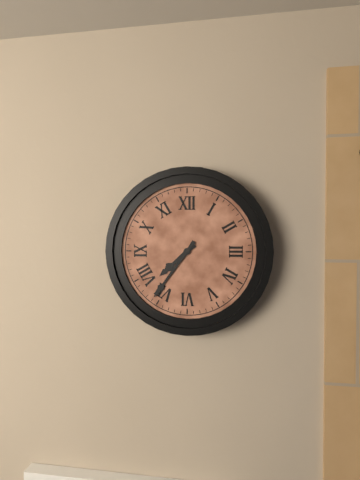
7:36
